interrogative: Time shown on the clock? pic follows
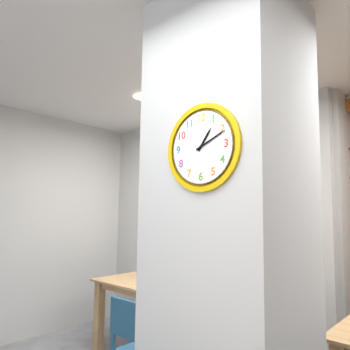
1:11
